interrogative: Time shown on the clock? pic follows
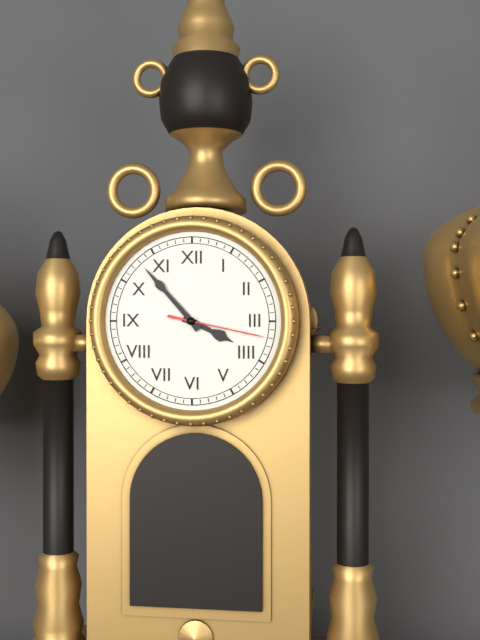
3:53:17
